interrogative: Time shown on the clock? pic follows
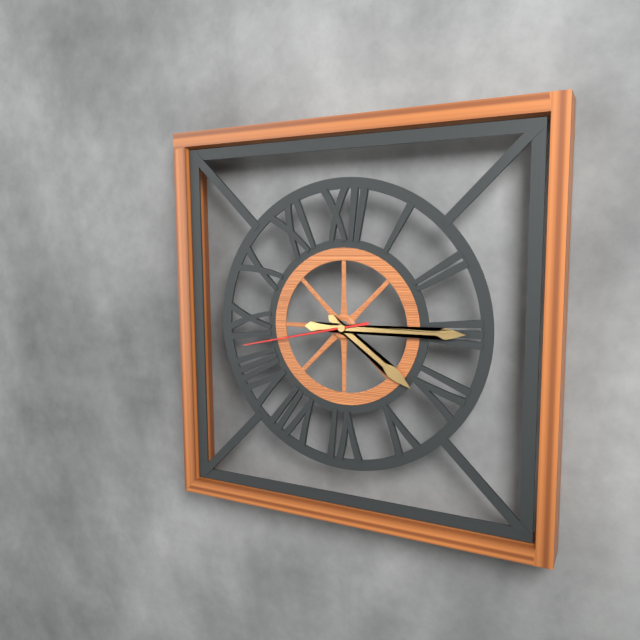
4:15:43
